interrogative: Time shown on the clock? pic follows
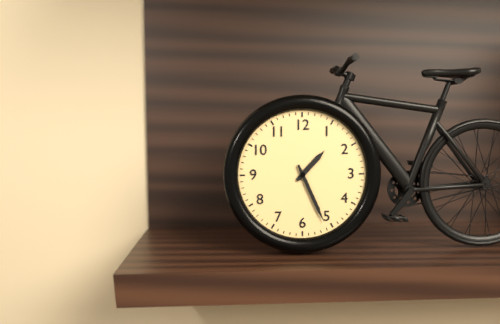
1:26
